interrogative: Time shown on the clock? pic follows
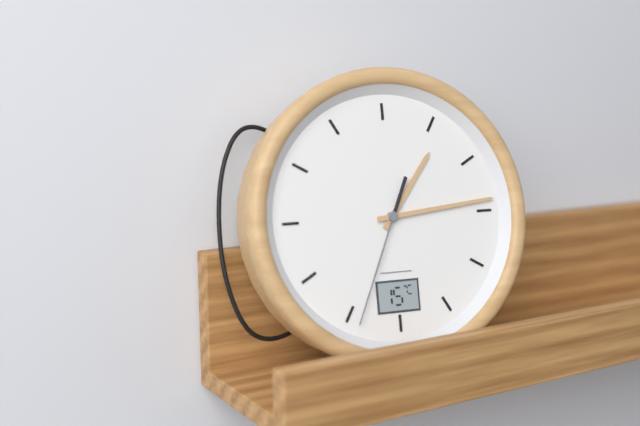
1:14:34
